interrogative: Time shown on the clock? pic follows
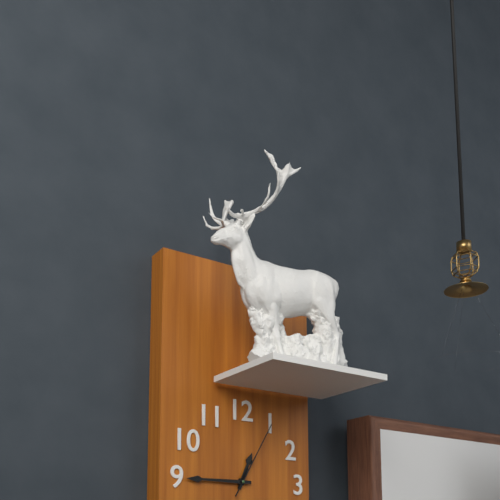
12:45:05
